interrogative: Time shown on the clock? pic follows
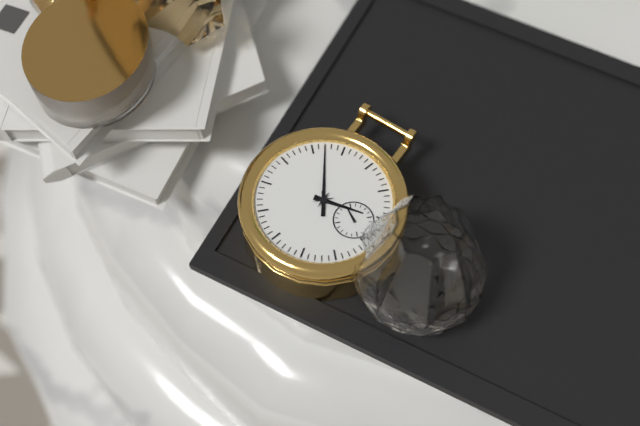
4:02
